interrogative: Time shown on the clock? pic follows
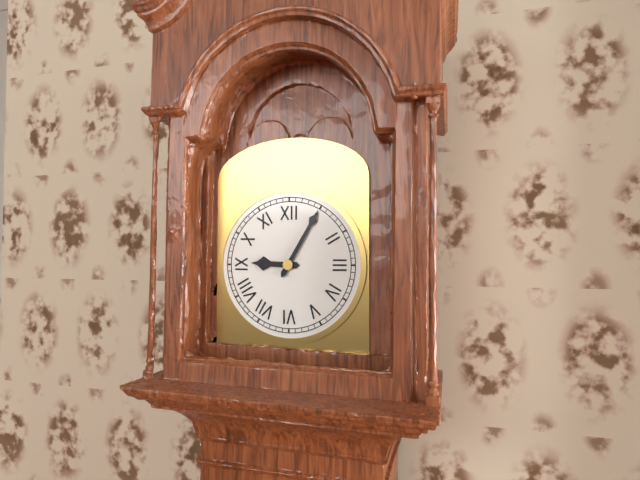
9:05
